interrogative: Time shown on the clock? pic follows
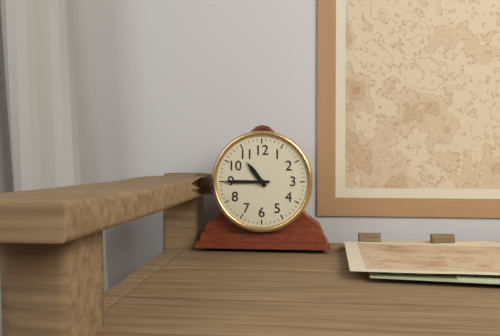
10:45
